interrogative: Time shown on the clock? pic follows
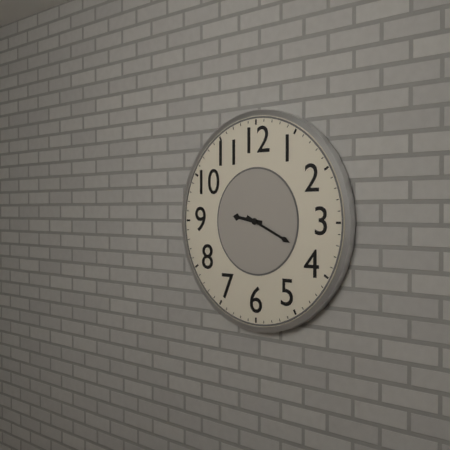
9:19
